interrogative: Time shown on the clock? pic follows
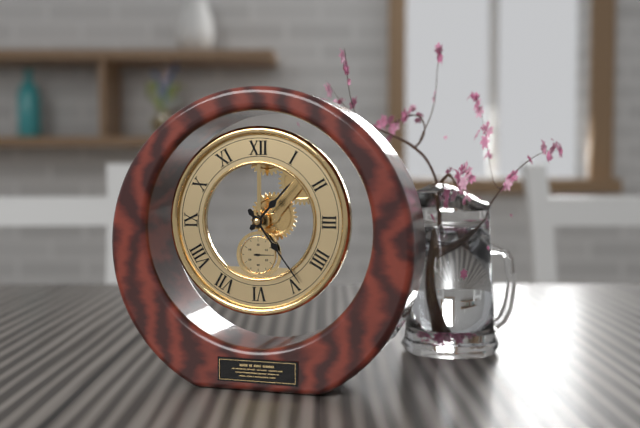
1:24
